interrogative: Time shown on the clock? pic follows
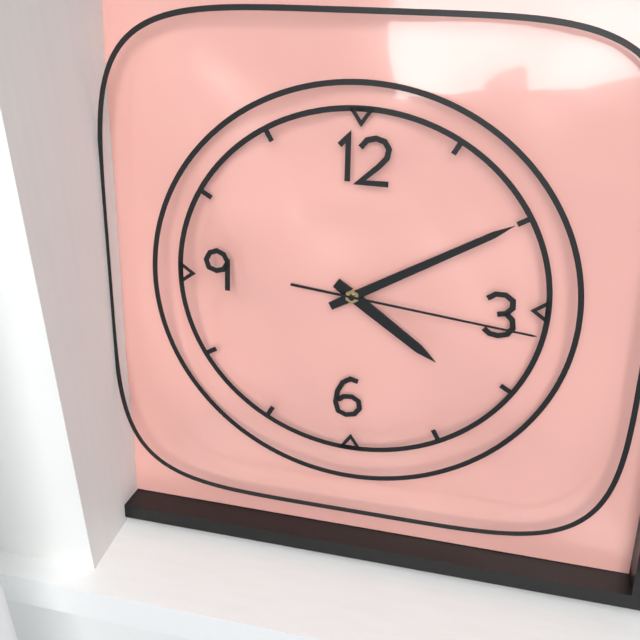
4:10:16
